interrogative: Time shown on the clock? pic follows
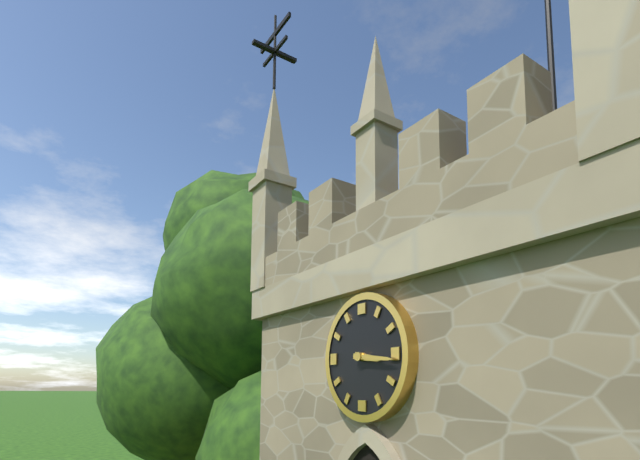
3:16
